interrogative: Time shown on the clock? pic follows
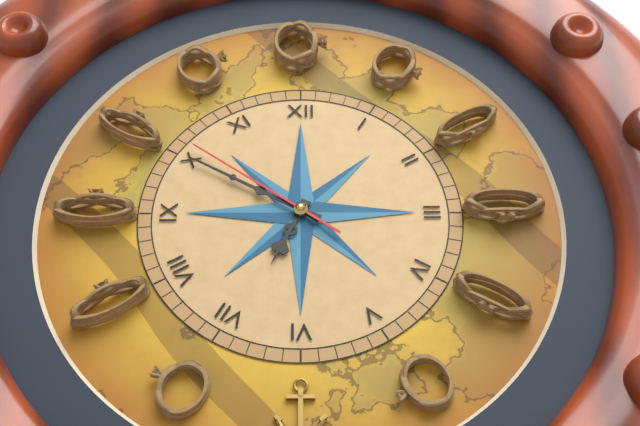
6:50:51
